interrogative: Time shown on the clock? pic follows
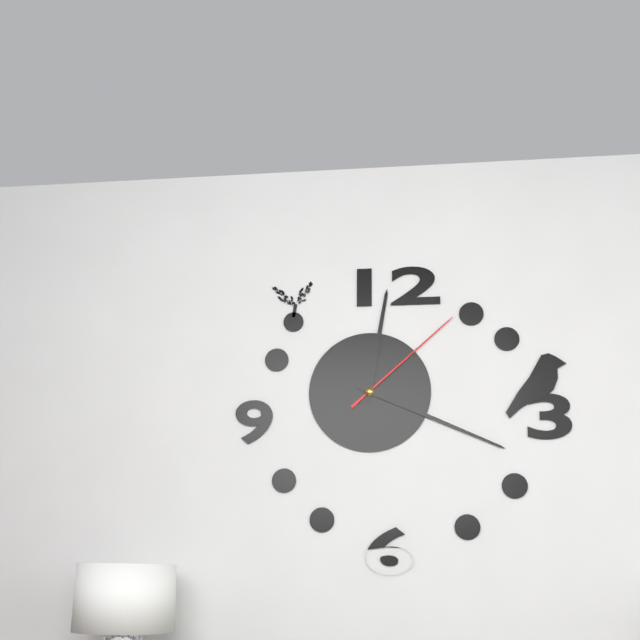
12:19:08
